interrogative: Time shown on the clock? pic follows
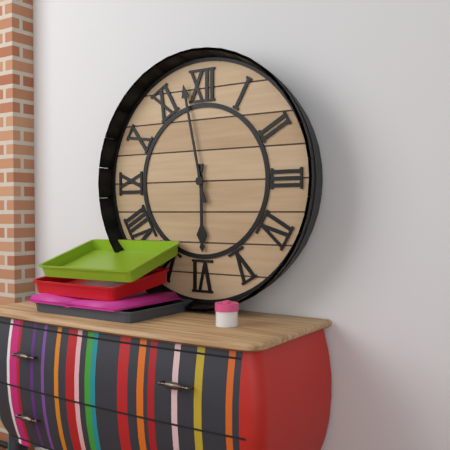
5:58
